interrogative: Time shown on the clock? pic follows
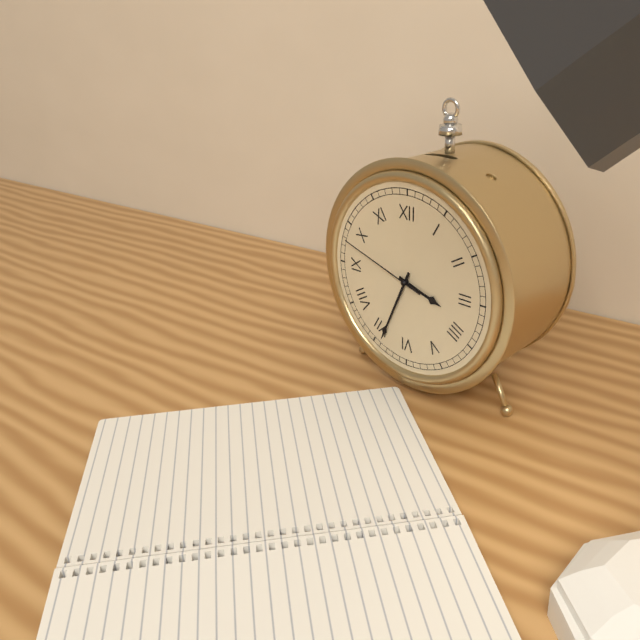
3:34:48
